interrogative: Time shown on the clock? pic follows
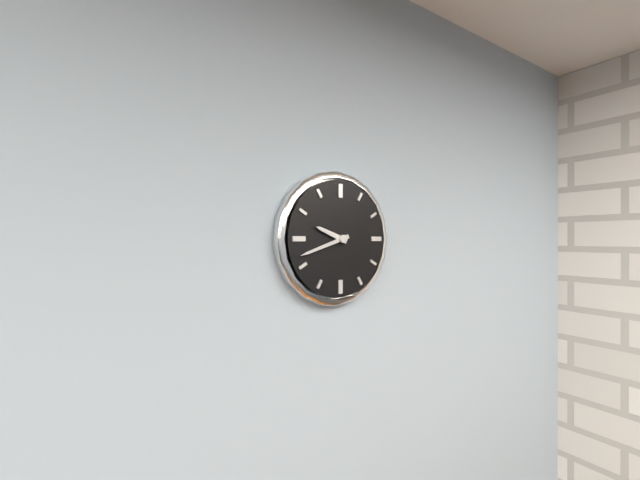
9:42
